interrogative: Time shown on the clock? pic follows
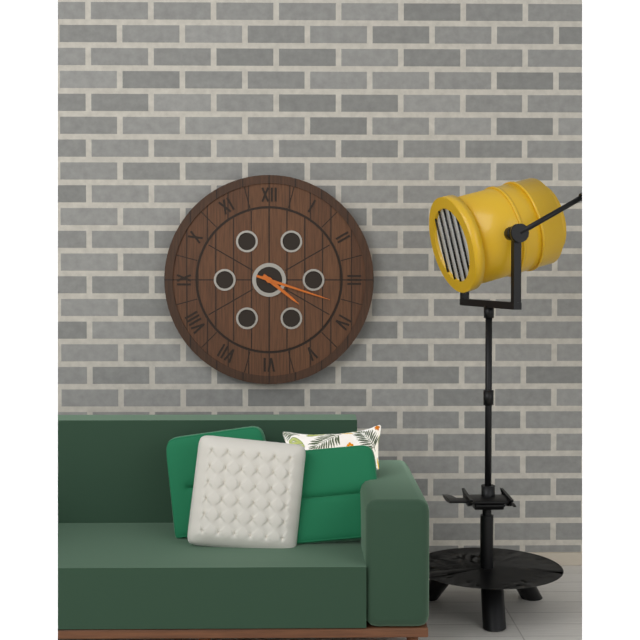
4:18
